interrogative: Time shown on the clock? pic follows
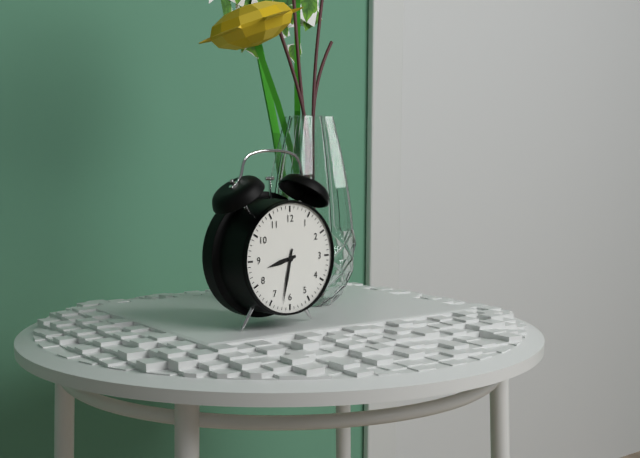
8:32
